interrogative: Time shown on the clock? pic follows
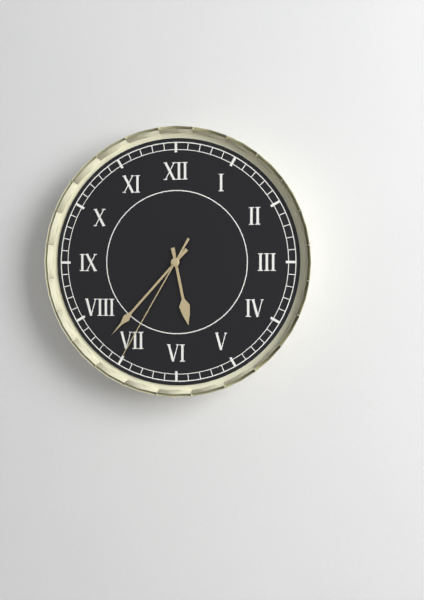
5:37:35
